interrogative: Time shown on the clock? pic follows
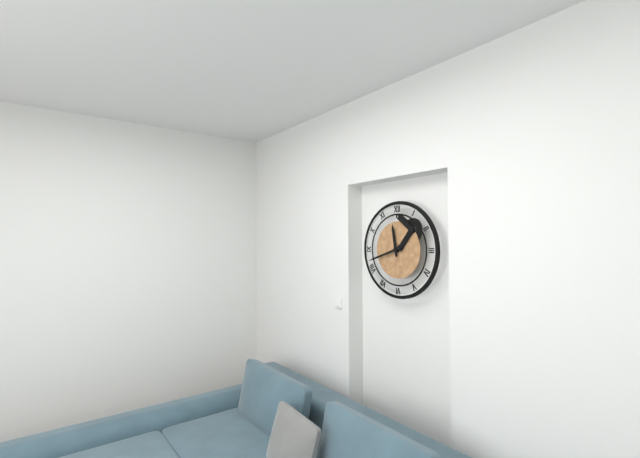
11:42
